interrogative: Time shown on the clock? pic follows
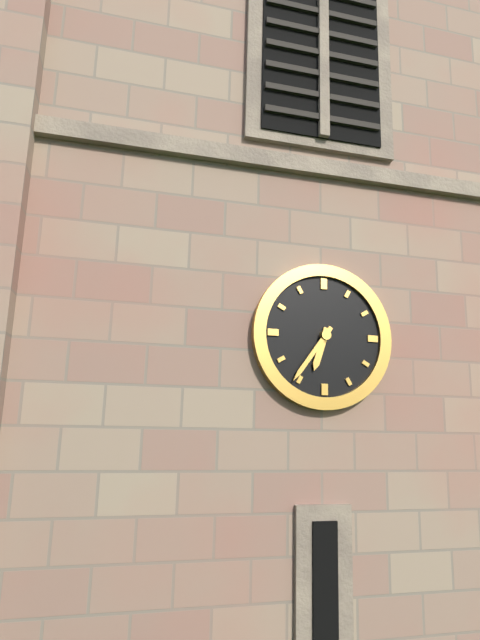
6:36
